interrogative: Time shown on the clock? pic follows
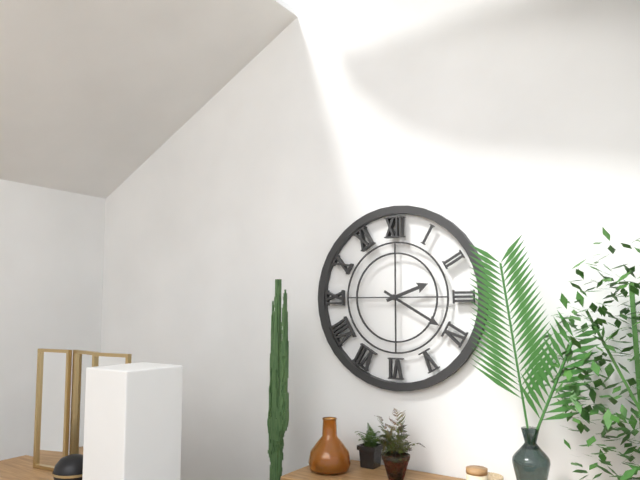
2:20
